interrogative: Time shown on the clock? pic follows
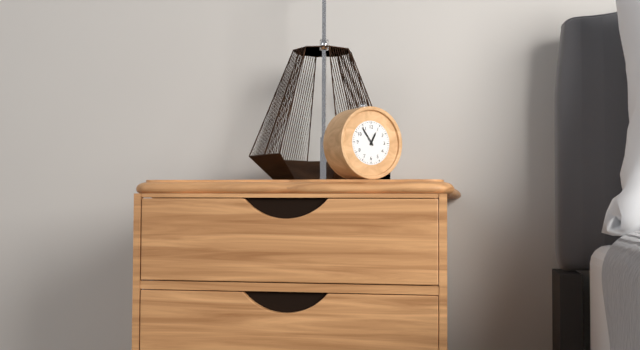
12:54
